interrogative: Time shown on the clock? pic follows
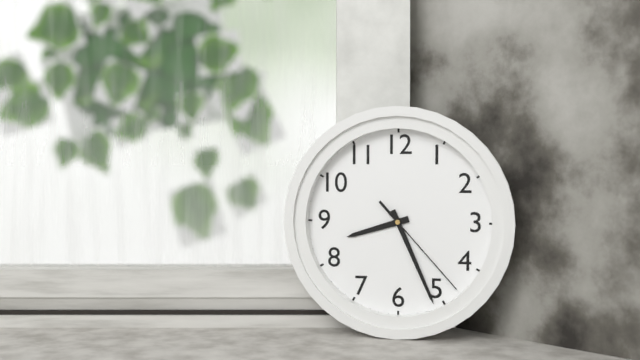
8:26:23
